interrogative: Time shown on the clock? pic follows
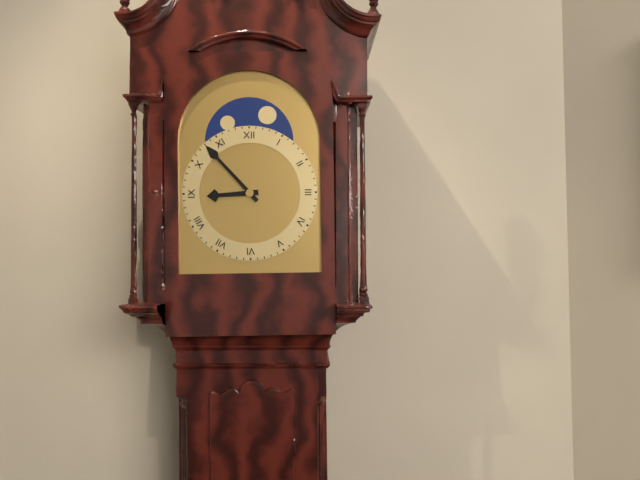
8:53
